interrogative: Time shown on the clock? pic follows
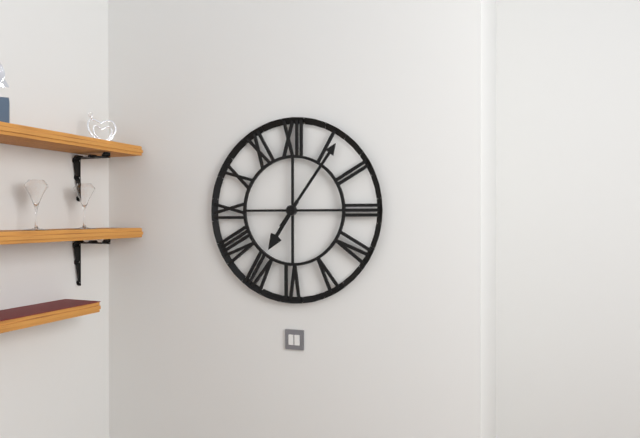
7:06
